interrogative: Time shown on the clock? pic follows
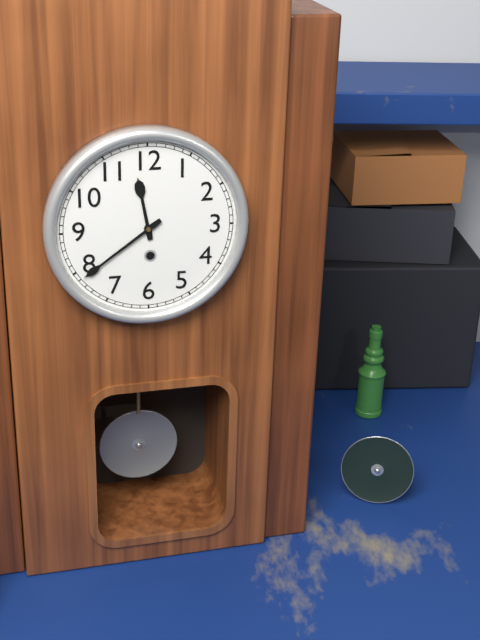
11:39
